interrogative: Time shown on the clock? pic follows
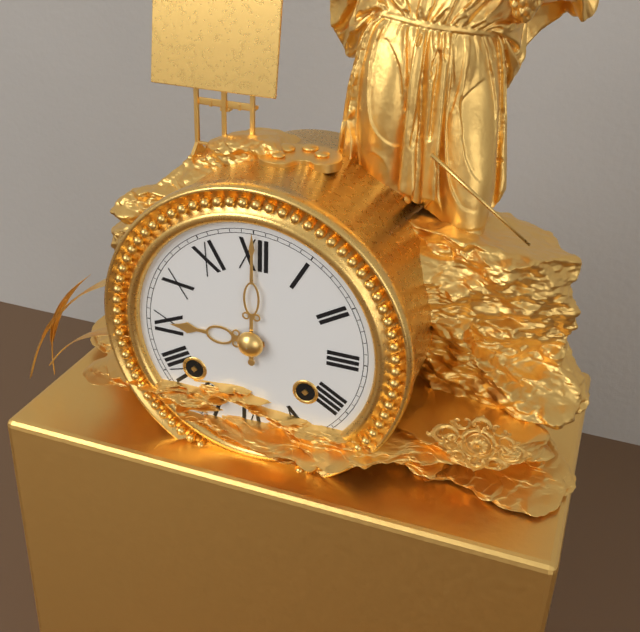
9:00
